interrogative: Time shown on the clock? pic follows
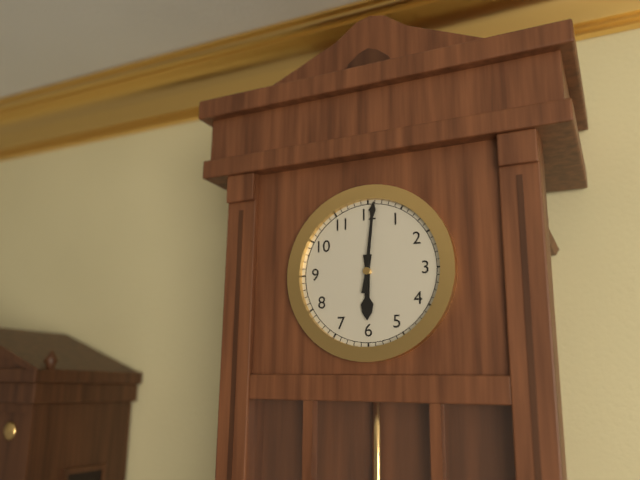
6:01
